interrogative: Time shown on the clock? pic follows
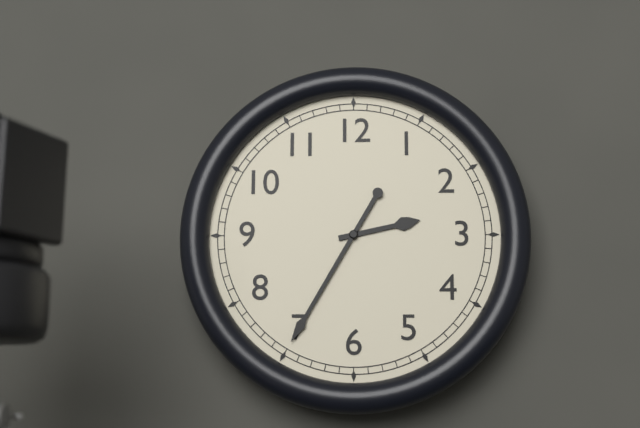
2:35
